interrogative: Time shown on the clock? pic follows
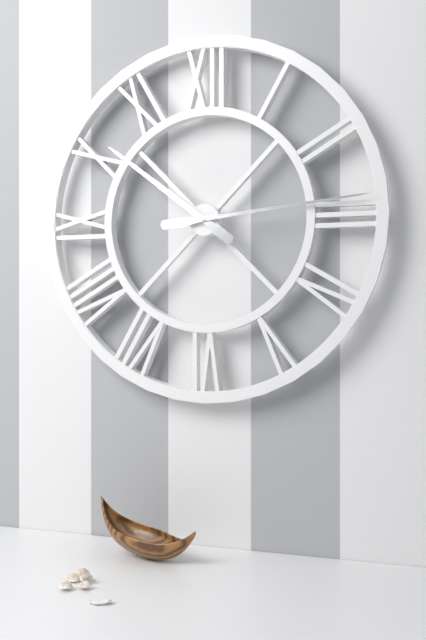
10:14
